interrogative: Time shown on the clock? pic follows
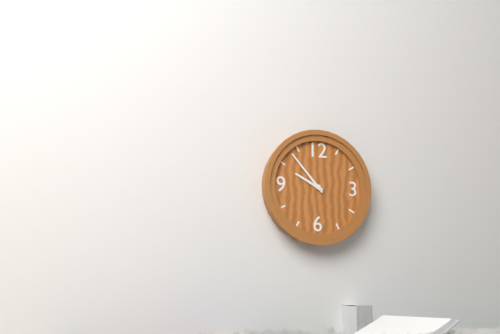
9:53
